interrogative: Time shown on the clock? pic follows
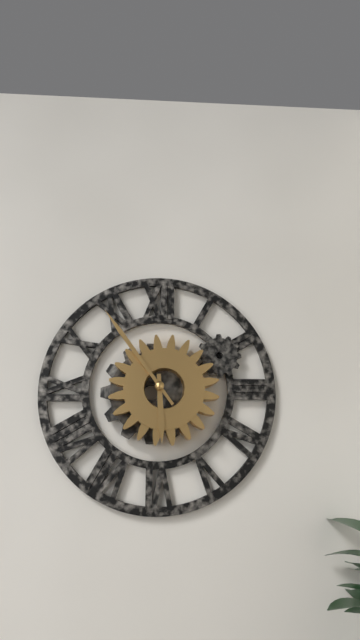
5:54
